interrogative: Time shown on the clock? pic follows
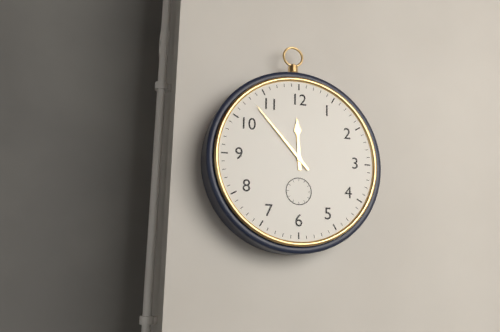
11:53
